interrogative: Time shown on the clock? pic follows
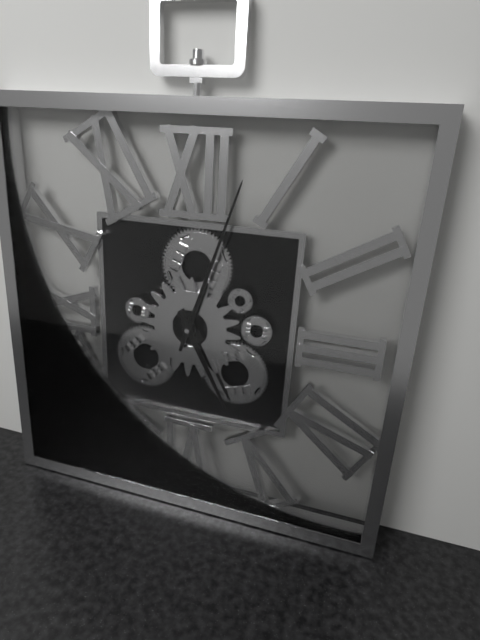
5:03
